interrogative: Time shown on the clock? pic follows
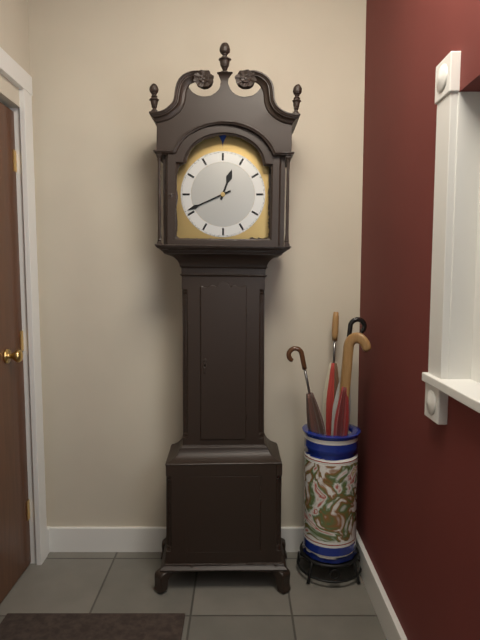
12:41
